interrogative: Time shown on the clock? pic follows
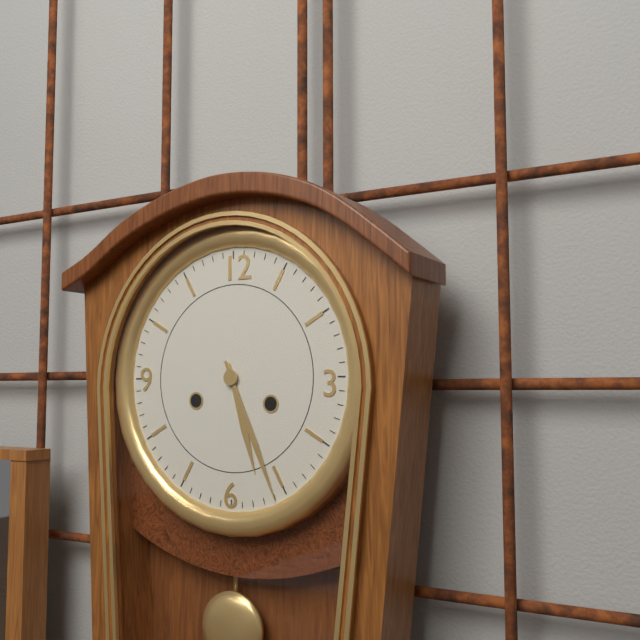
5:26
